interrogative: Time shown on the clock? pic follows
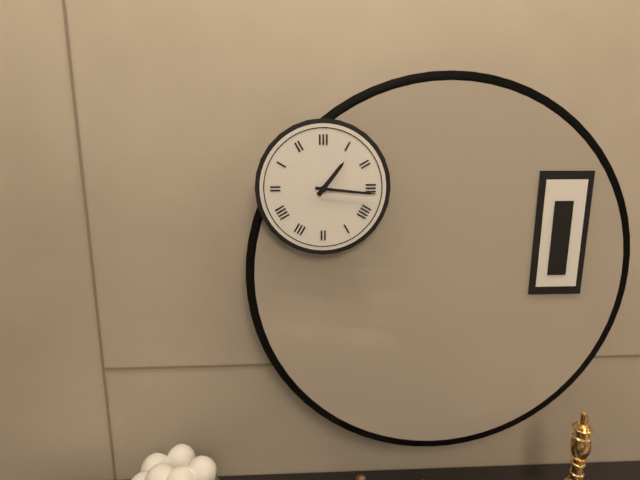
1:16
